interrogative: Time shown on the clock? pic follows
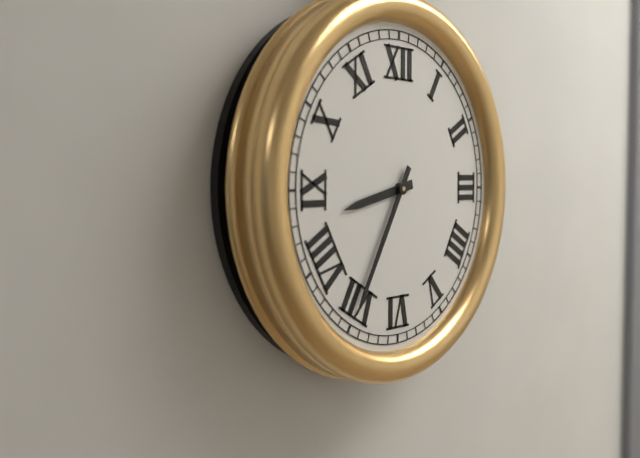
8:35
